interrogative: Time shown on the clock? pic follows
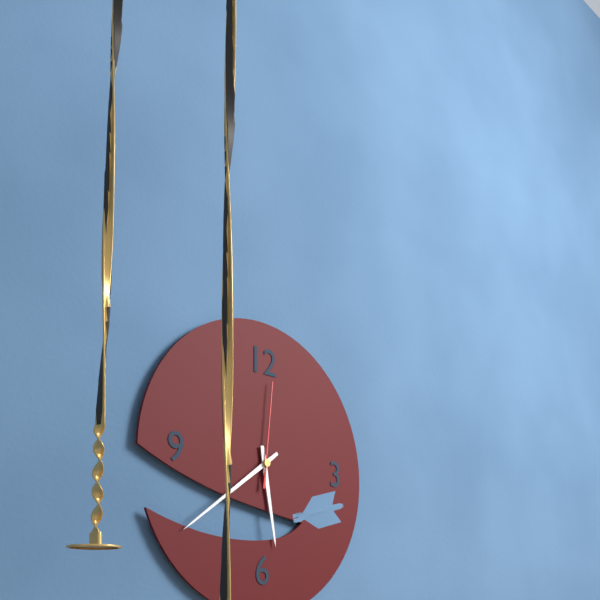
5:39:01
